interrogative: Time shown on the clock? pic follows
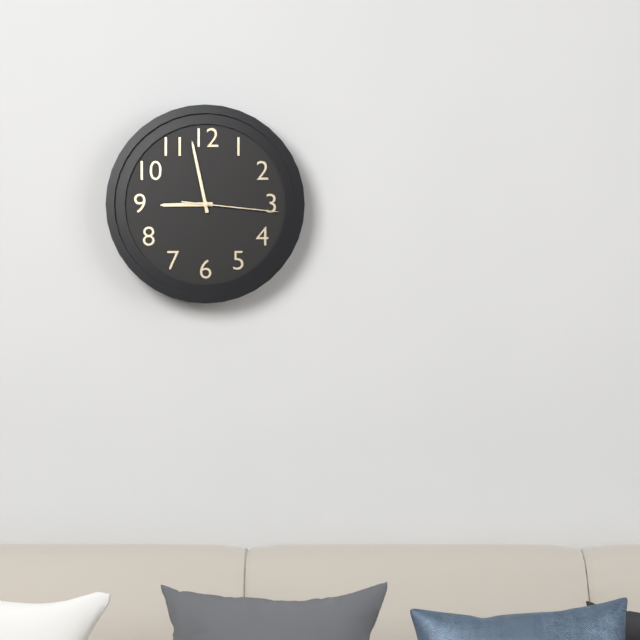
8:58:16
